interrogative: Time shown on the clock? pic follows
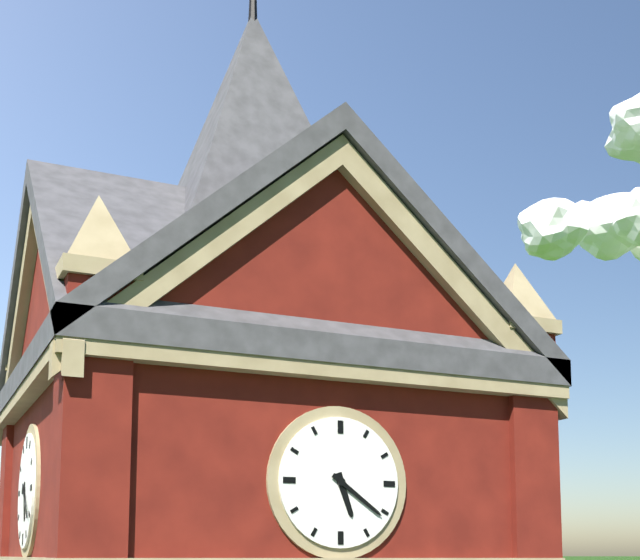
5:21
